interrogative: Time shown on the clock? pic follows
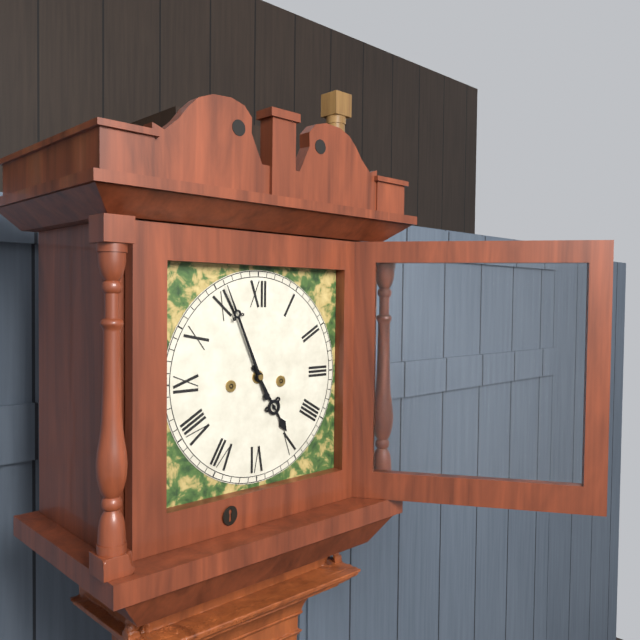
4:56
